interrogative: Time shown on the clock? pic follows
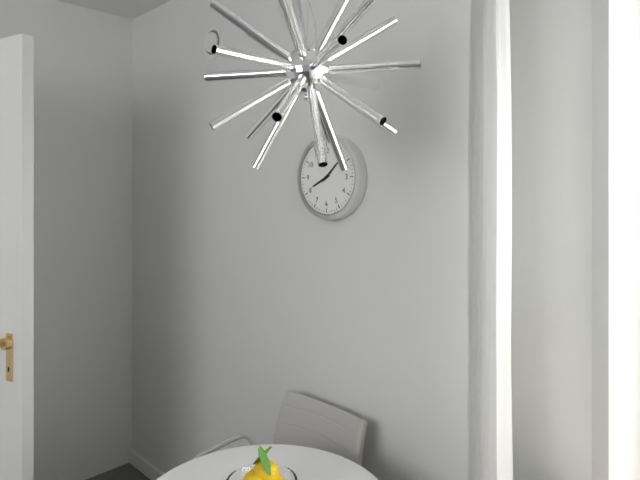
8:08
